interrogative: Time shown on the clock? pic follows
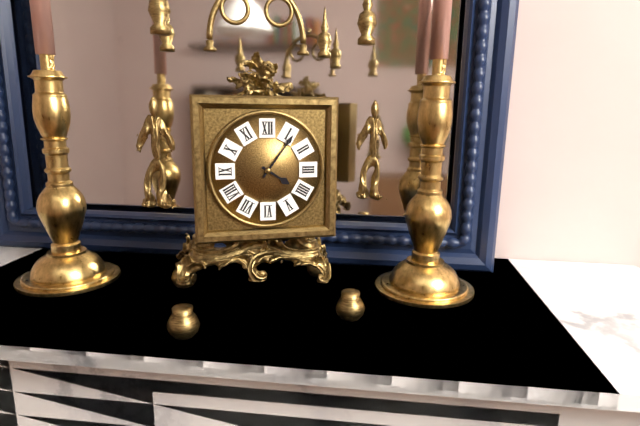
4:06
